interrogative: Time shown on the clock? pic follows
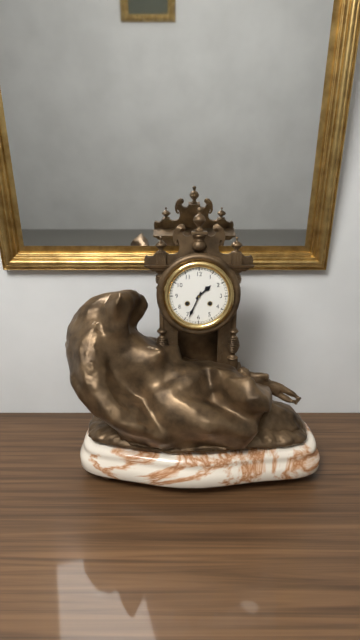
1:34
